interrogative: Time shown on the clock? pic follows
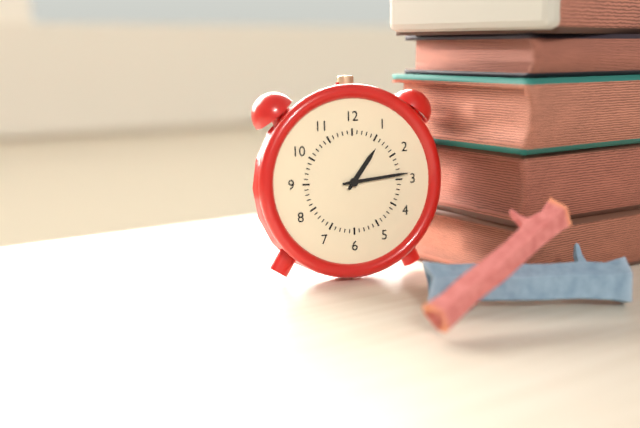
1:14
